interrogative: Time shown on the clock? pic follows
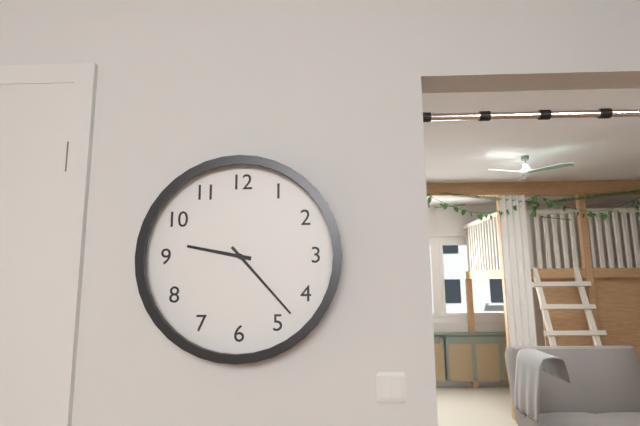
9:23
